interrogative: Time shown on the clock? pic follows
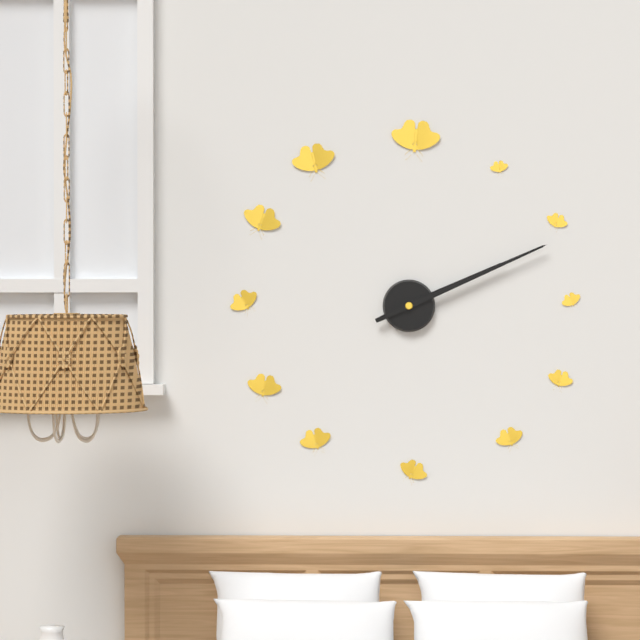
2:11
